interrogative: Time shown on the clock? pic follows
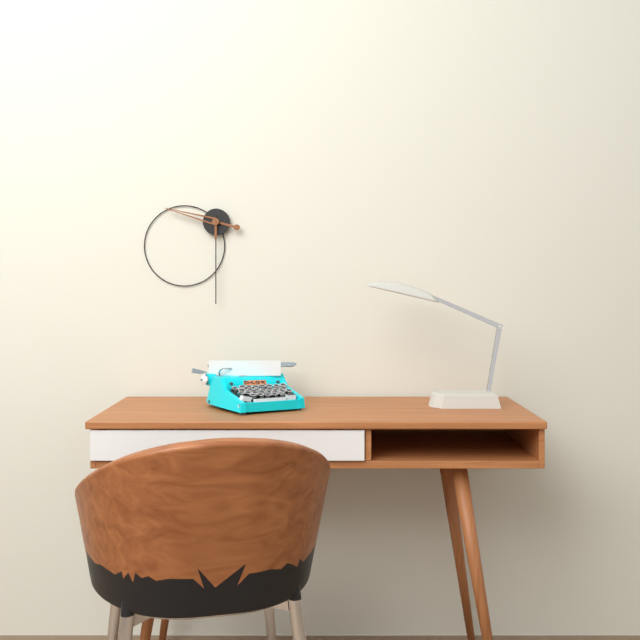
9:30
